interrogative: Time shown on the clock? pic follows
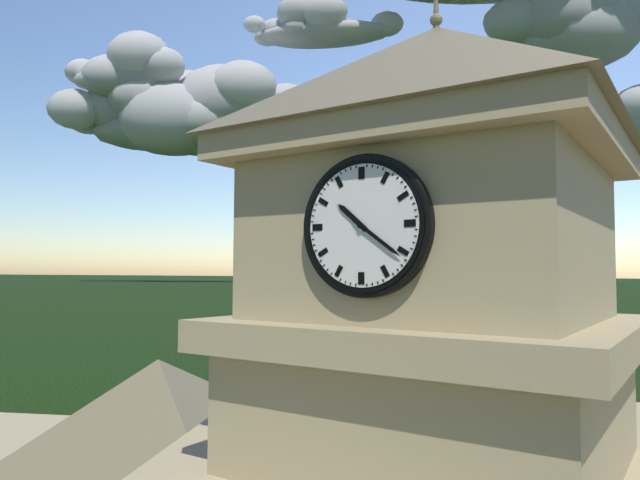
10:21
